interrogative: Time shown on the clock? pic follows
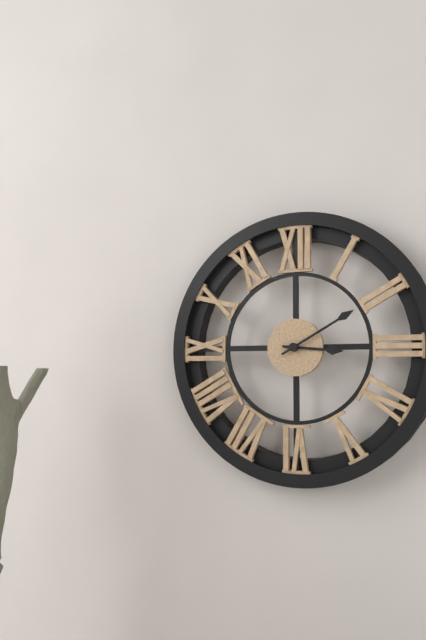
3:10
